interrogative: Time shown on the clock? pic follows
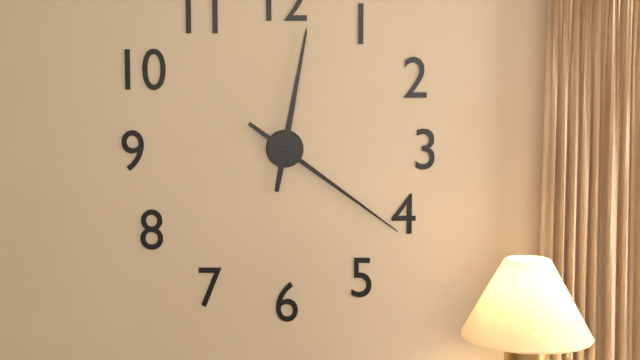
12:21
